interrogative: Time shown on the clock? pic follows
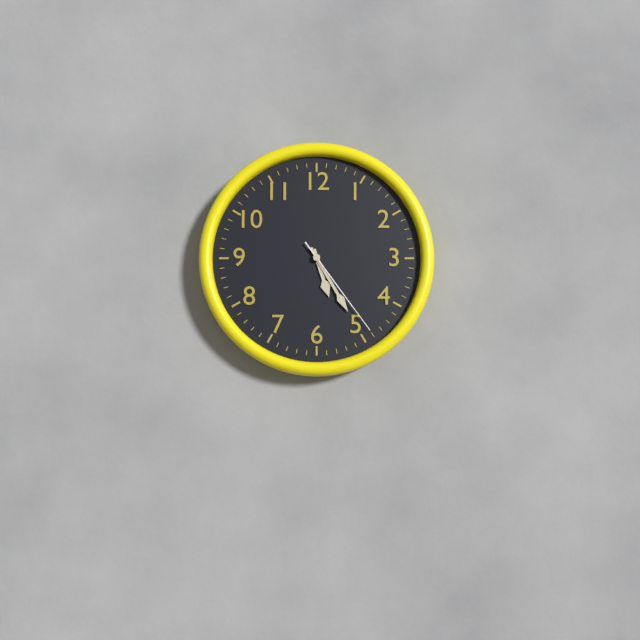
5:25:24
